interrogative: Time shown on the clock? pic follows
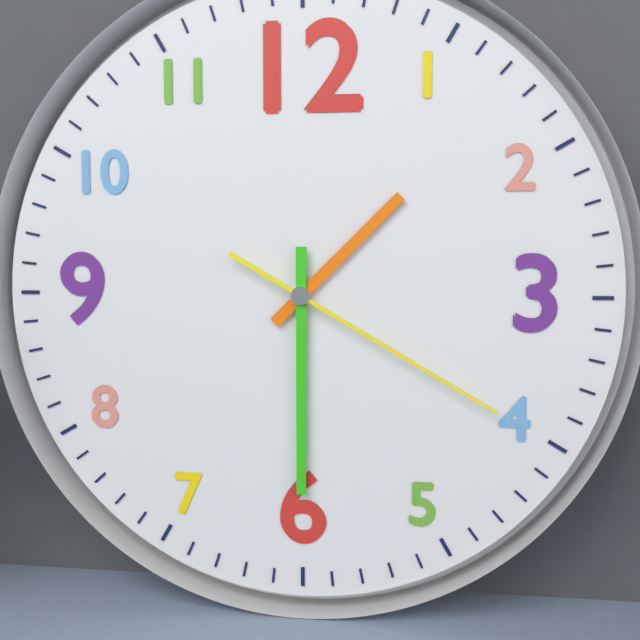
1:30:20
